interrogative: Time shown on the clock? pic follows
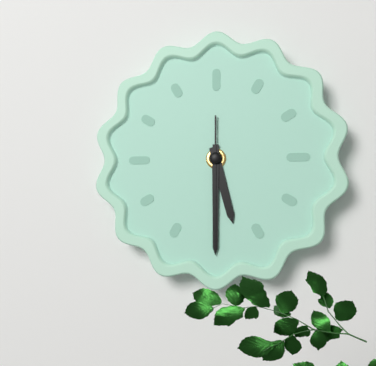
5:30:30
